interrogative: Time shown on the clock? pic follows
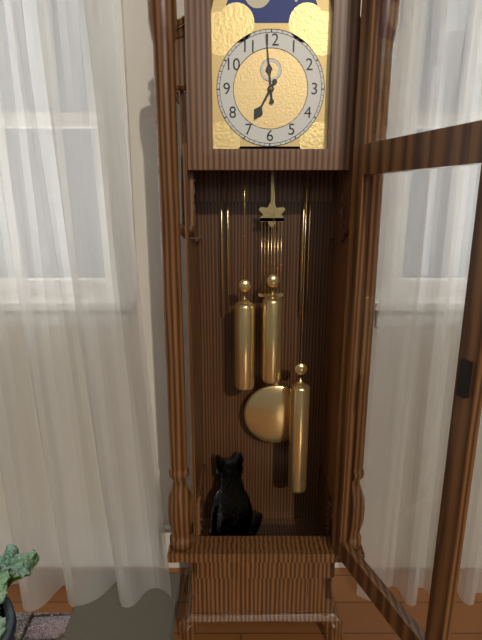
6:59
